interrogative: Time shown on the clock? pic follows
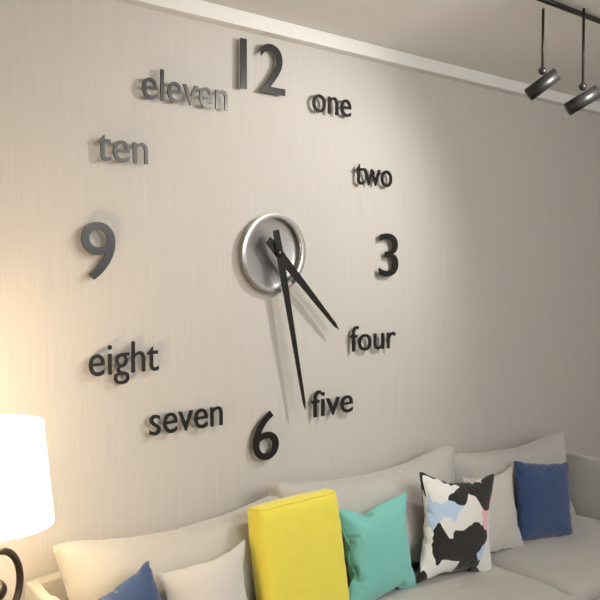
4:28
